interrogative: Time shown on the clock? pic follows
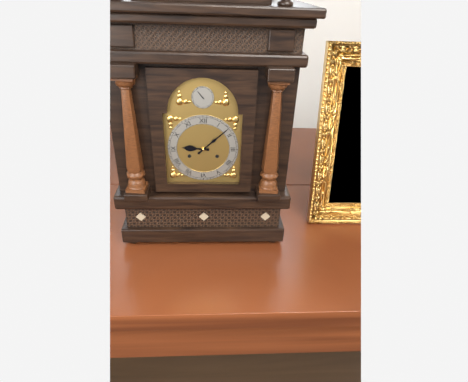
9:08
